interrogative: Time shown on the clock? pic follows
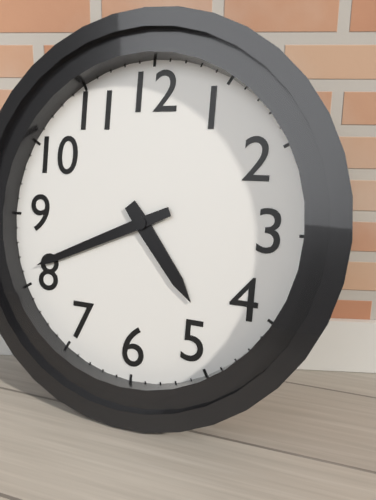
4:41
